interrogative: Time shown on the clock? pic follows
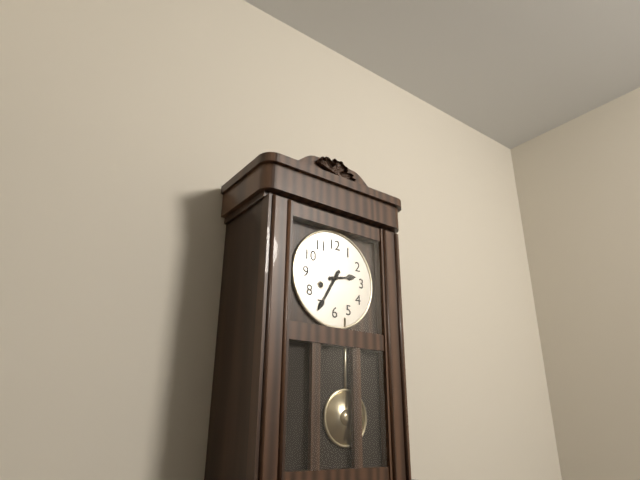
2:35
